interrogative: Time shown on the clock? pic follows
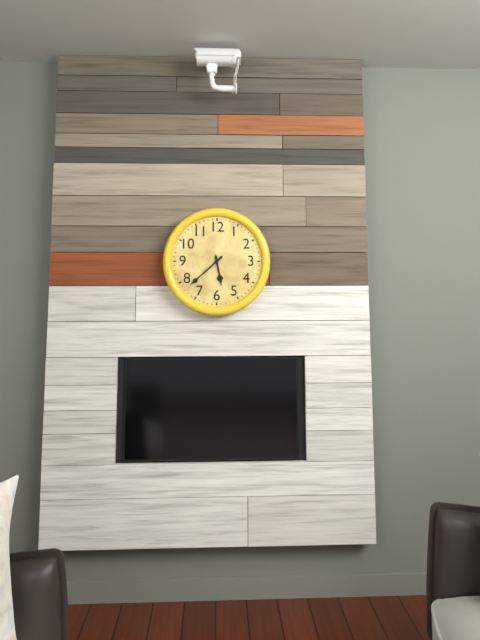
5:38
